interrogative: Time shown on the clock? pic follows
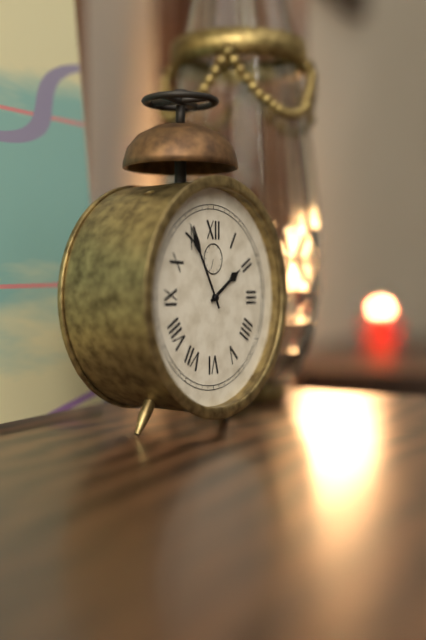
1:55
